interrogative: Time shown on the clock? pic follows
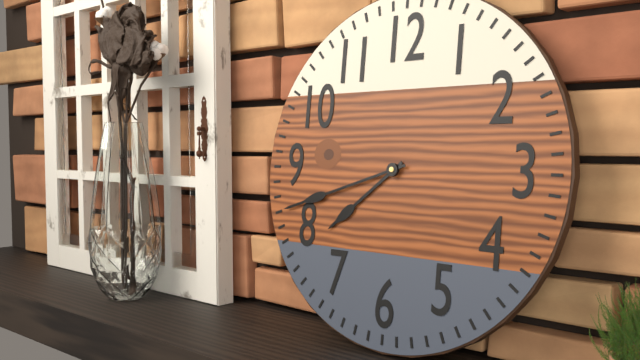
7:42
